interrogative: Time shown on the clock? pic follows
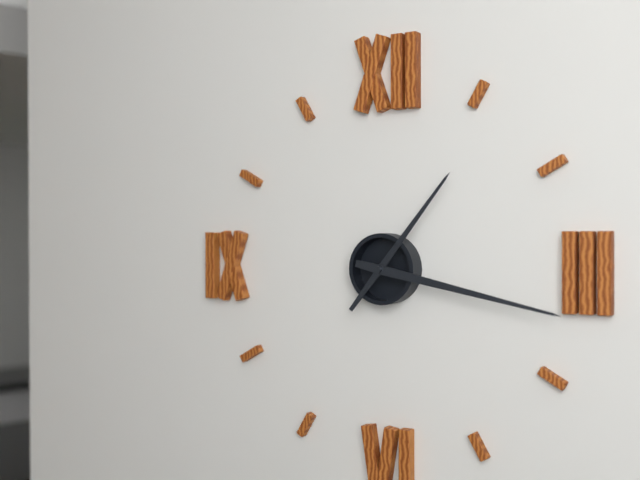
1:17
